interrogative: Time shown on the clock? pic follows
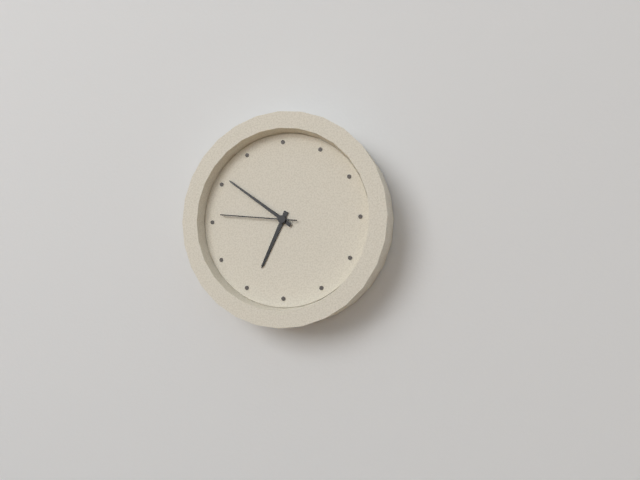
6:51:46
